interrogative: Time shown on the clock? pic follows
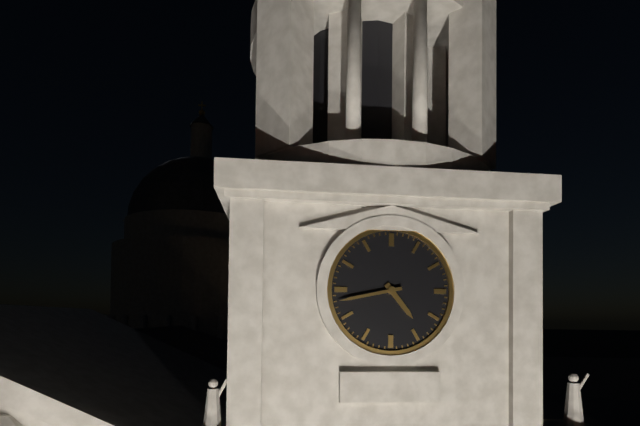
4:43
